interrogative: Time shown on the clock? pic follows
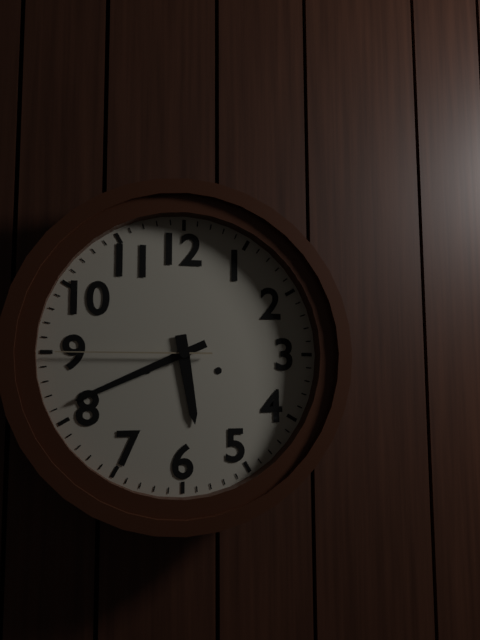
5:41:45
